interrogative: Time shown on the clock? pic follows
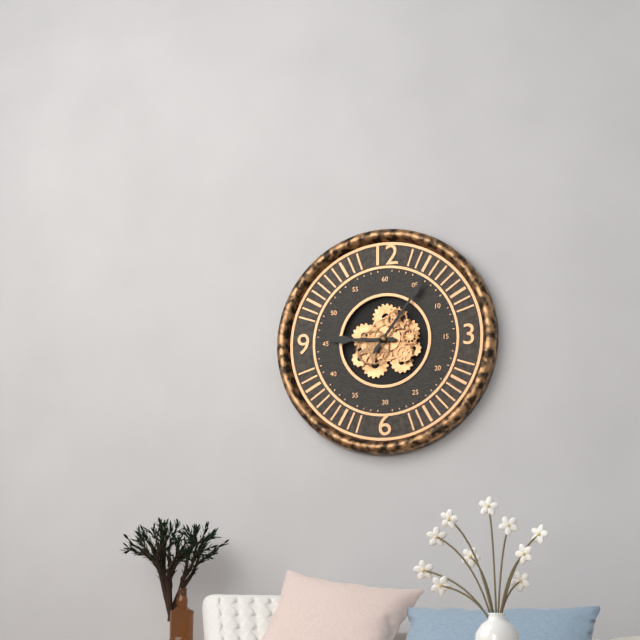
9:06
